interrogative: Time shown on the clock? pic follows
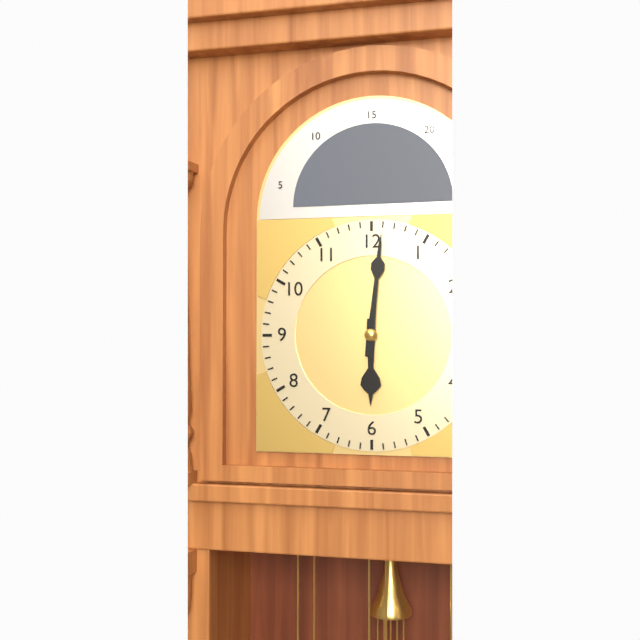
6:01
